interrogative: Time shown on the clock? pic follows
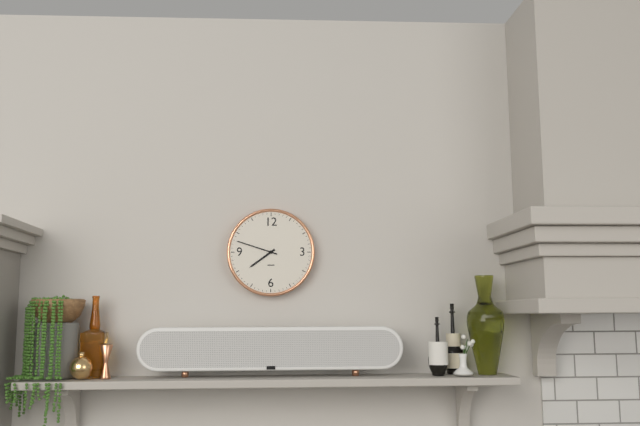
7:48
